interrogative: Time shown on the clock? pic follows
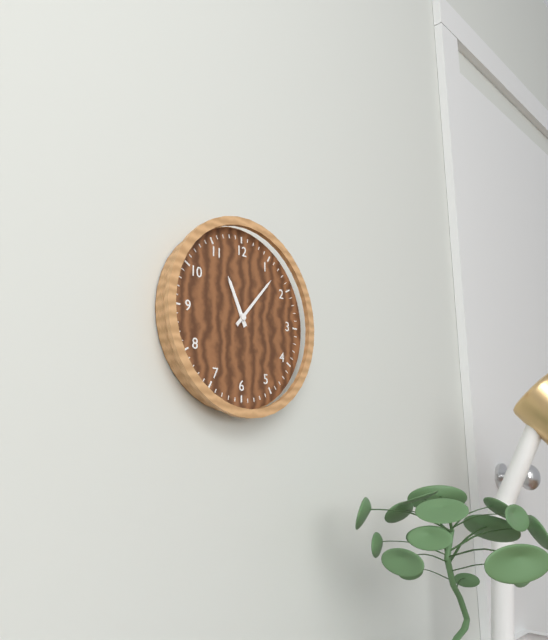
11:07
